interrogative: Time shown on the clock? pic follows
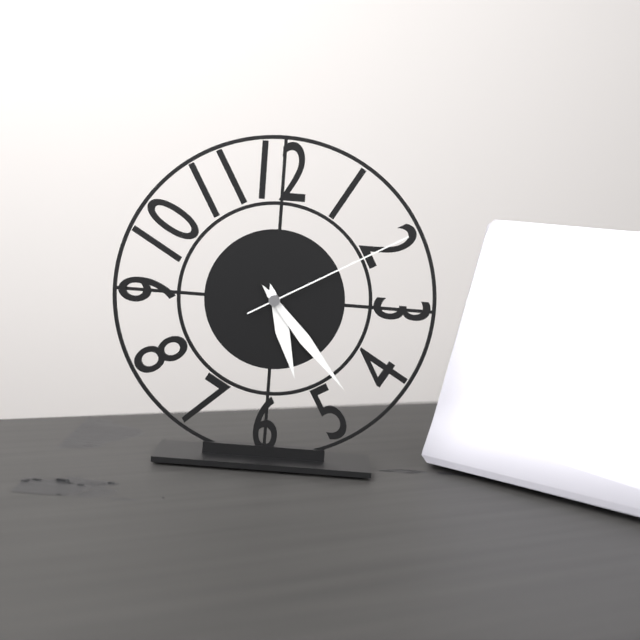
5:23:10
